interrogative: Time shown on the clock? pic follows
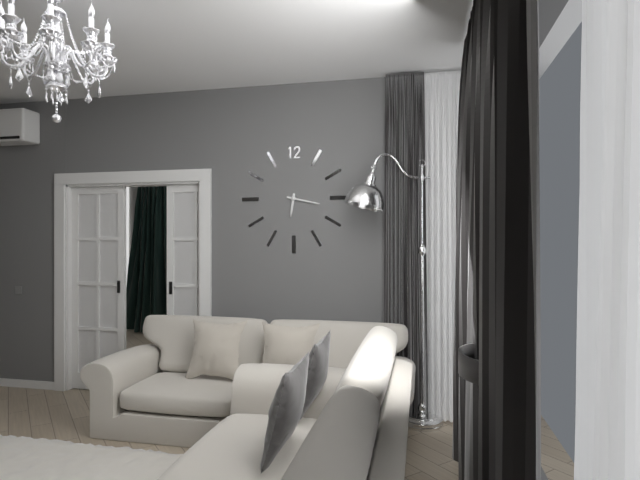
6:17
